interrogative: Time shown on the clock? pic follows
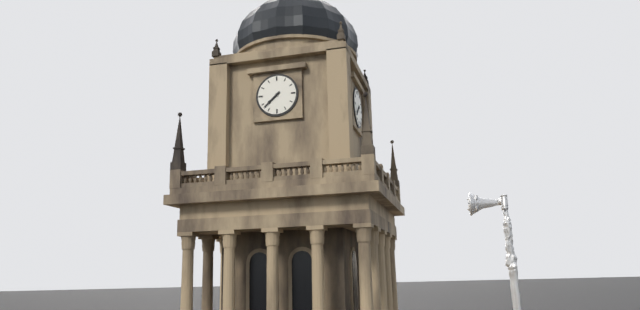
7:38
